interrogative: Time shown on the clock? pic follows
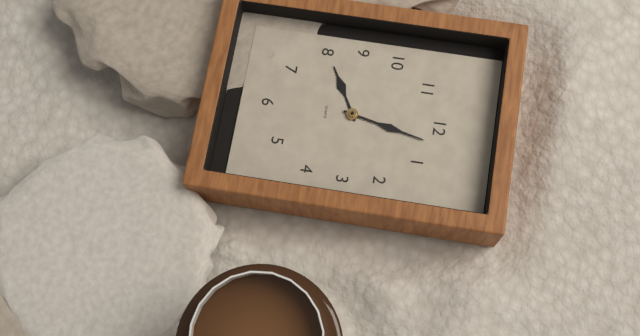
8:02
